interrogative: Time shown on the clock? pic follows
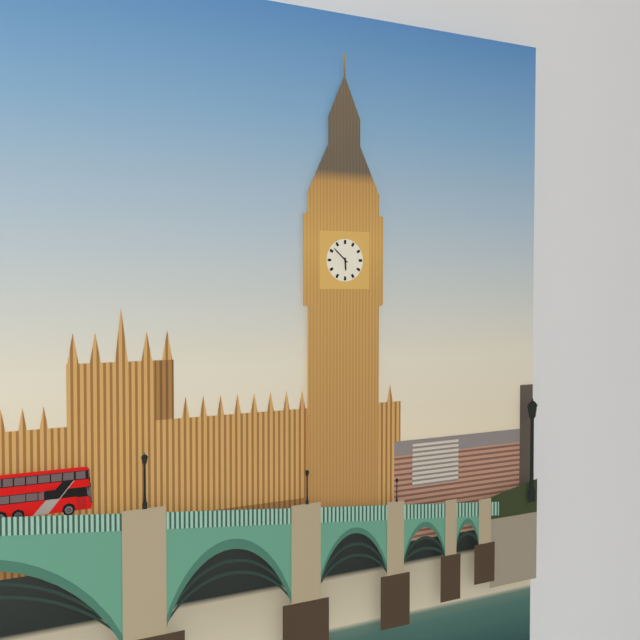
5:52
